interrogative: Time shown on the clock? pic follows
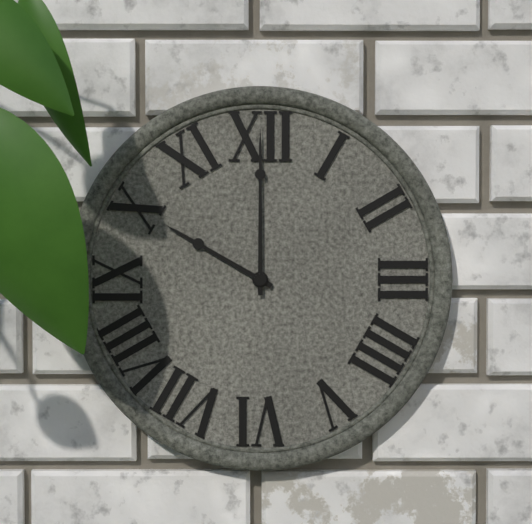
10:00
